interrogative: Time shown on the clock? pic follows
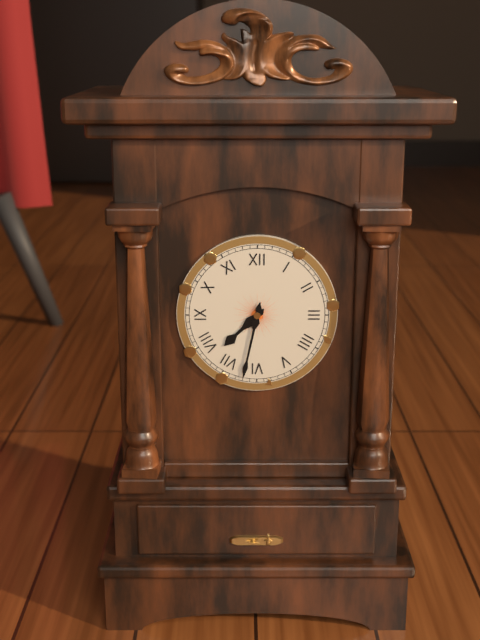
7:32
